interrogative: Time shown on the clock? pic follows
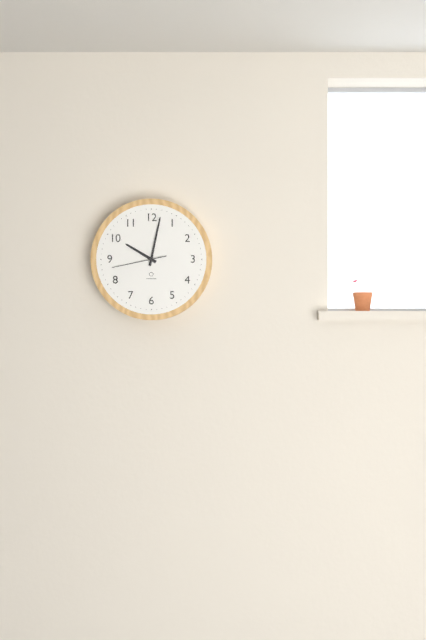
10:02:43
